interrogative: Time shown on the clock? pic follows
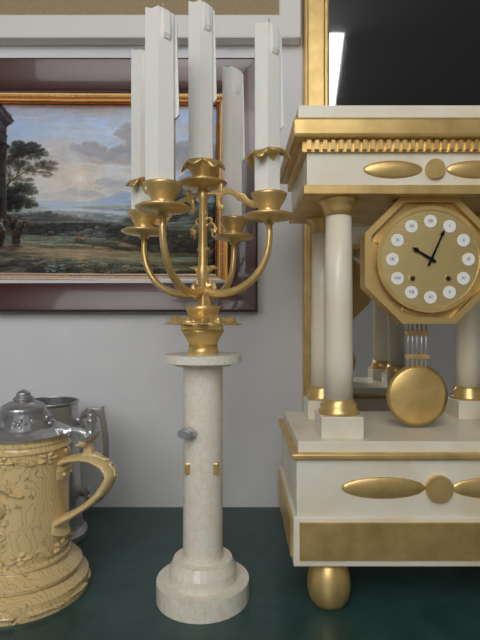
10:04
